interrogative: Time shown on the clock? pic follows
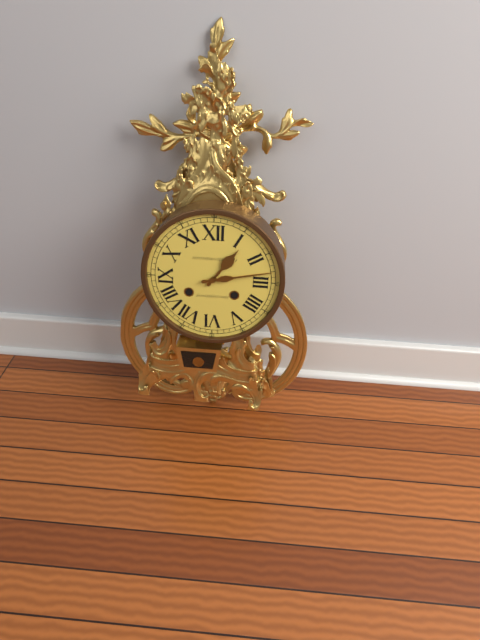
1:13
